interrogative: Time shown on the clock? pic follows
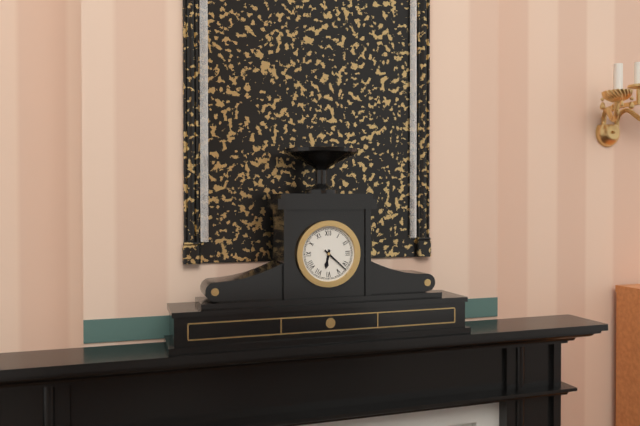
6:22
